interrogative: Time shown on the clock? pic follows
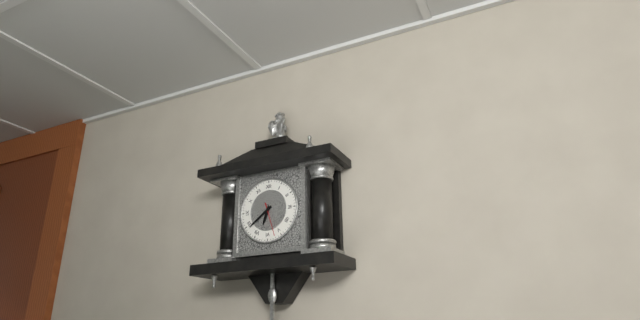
6:39
